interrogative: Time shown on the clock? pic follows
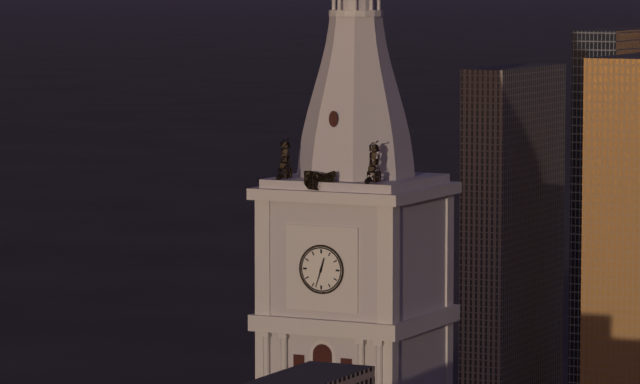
12:33
